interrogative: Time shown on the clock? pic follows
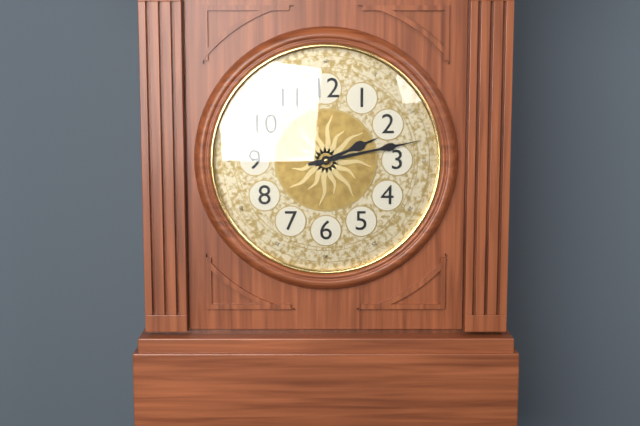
2:13
